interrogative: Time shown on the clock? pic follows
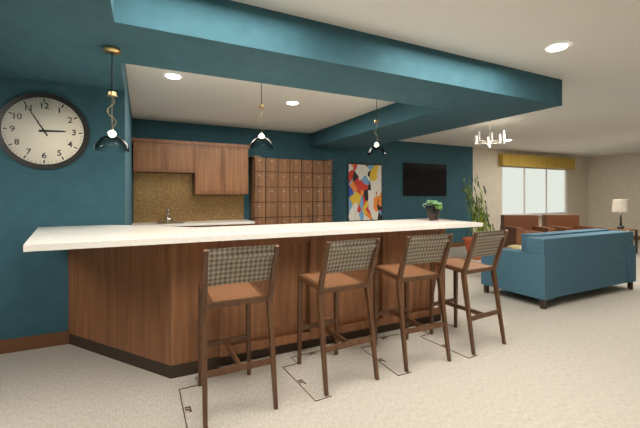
2:55
